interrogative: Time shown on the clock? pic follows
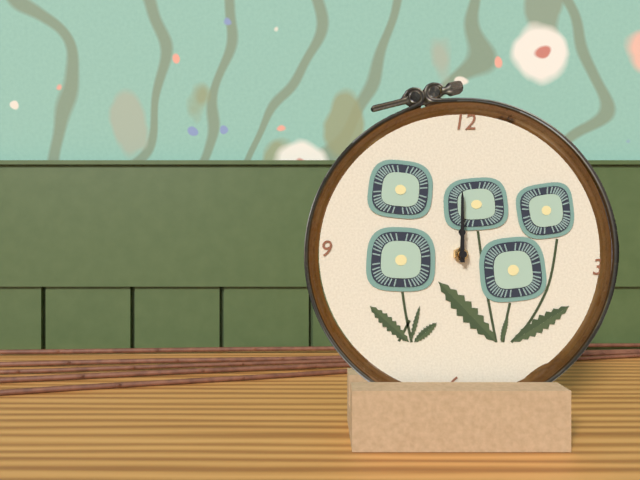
12:00
